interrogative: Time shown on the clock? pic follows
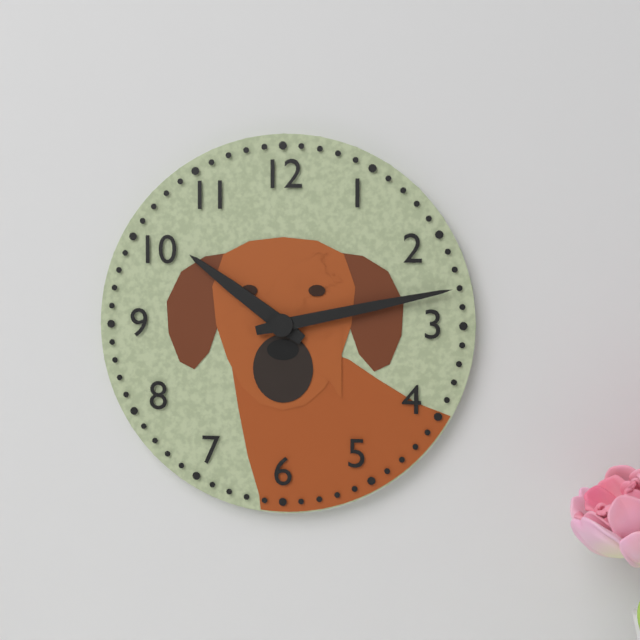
10:13
